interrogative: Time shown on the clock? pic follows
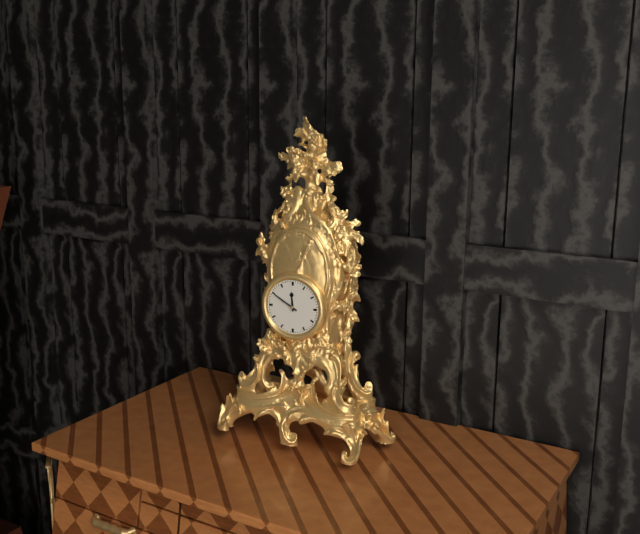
11:50
